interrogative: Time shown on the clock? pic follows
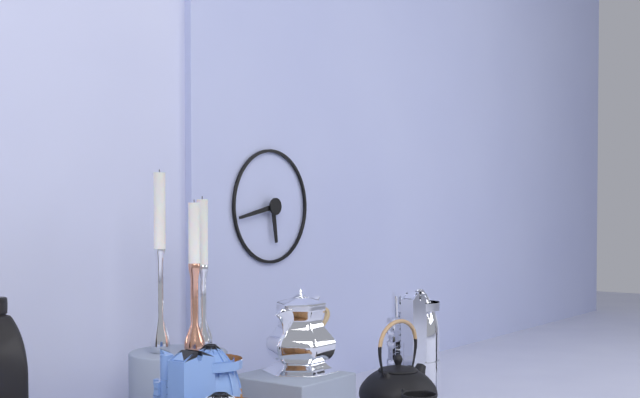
5:43
